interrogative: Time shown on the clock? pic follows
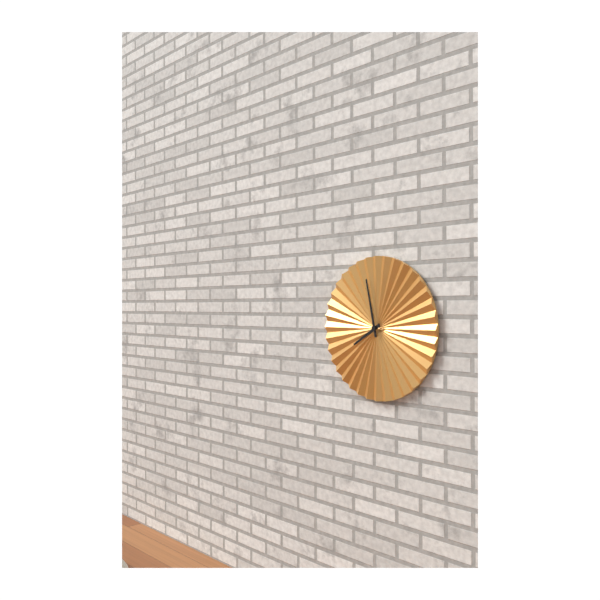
7:58
